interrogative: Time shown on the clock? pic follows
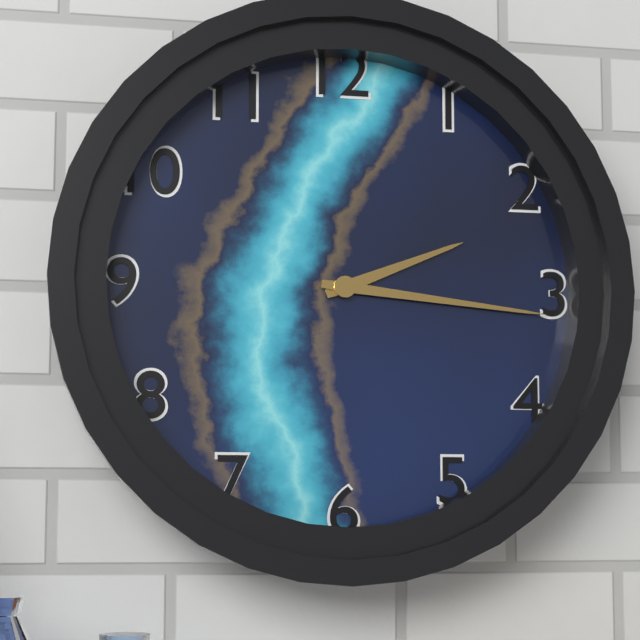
2:16
